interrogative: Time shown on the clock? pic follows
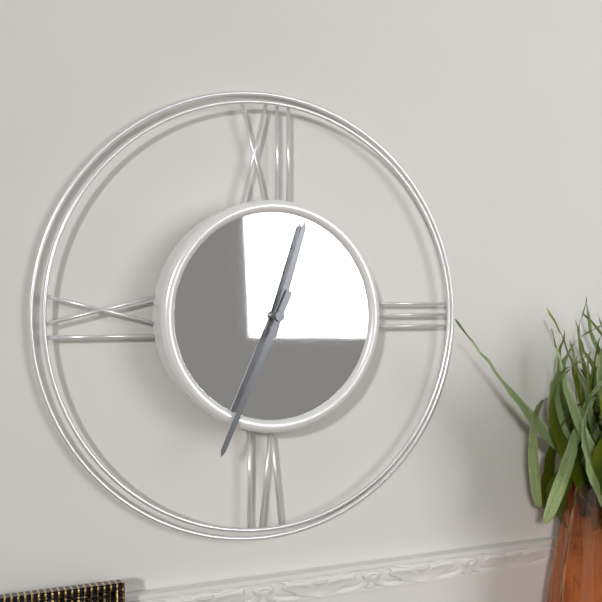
12:34
